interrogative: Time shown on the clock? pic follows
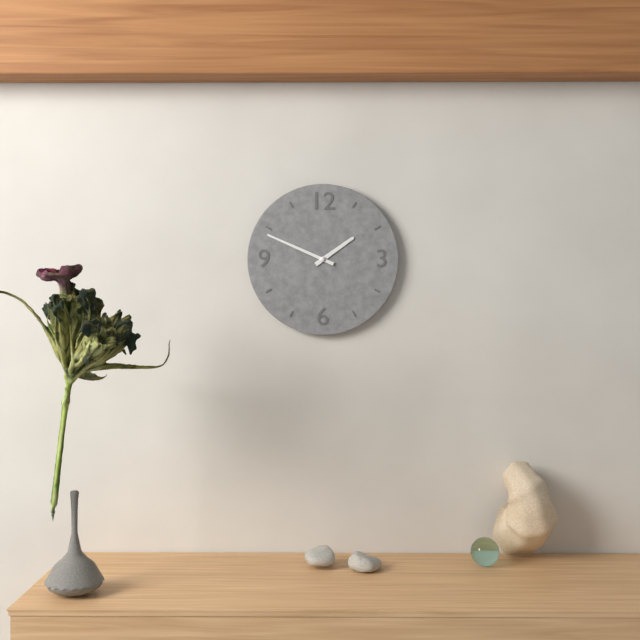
1:49
